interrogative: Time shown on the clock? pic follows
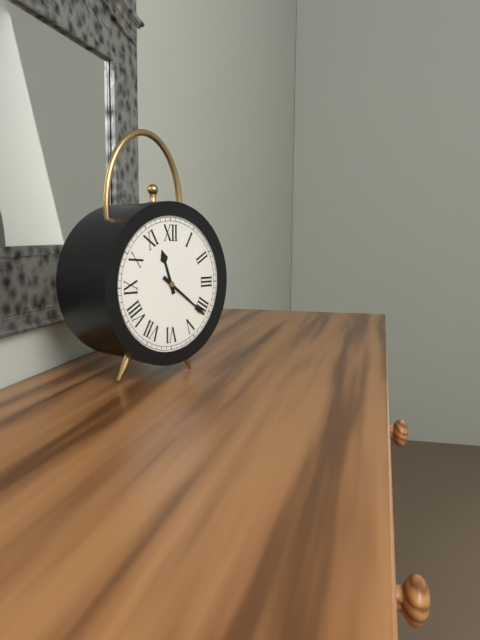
11:21
